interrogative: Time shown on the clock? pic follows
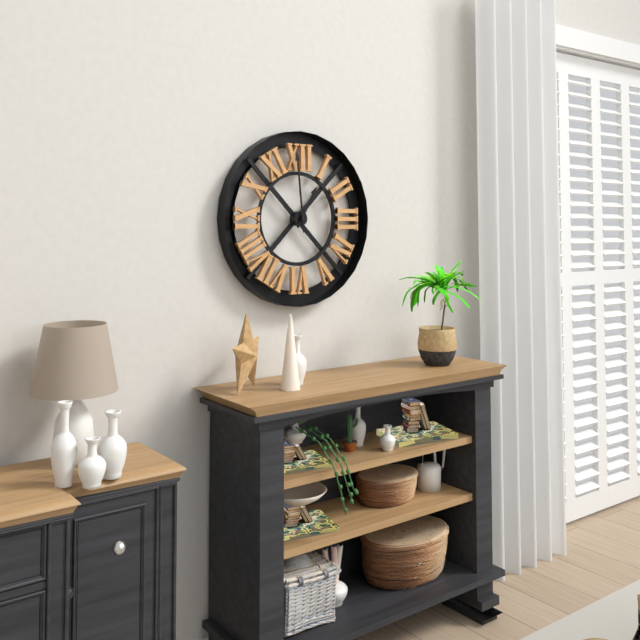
12:59
